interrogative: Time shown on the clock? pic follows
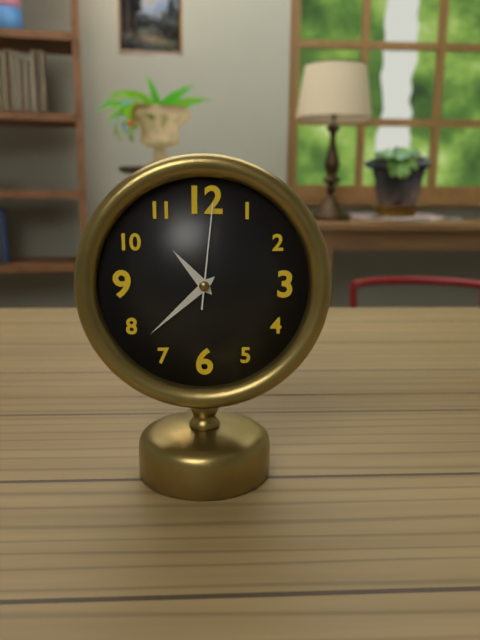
10:38:01
